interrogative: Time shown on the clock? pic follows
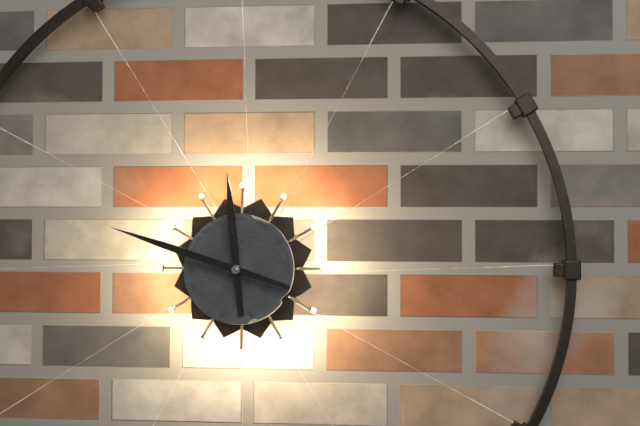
11:48
